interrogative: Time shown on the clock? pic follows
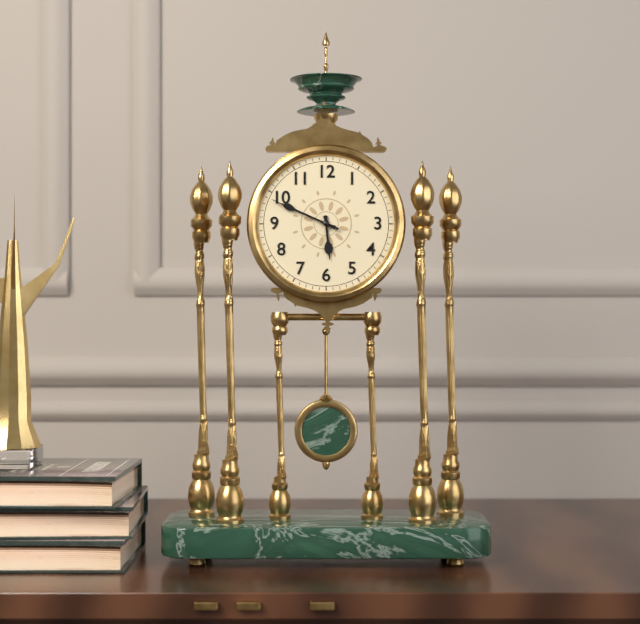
5:49:49
